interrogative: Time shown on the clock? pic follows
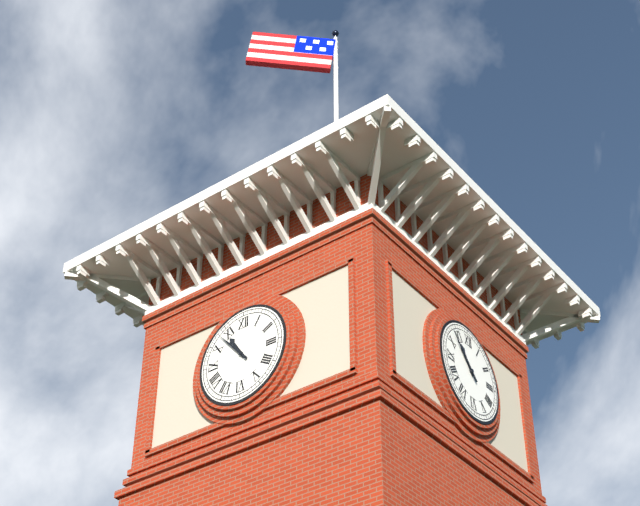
10:53
